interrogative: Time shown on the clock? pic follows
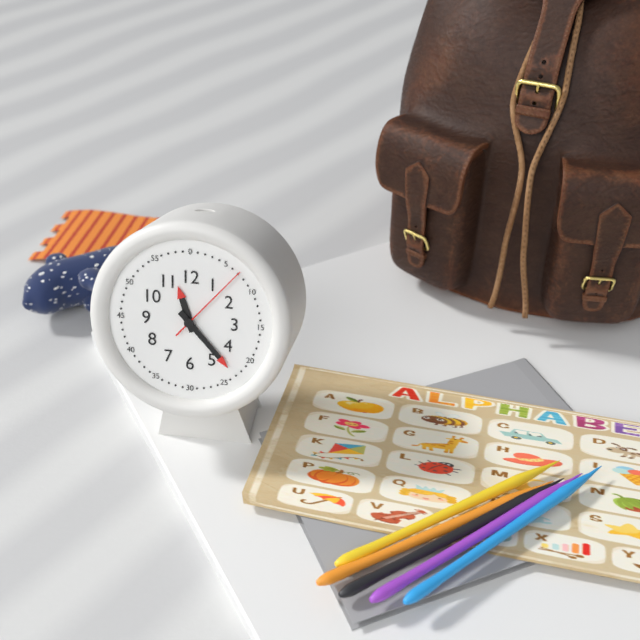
11:23:07
